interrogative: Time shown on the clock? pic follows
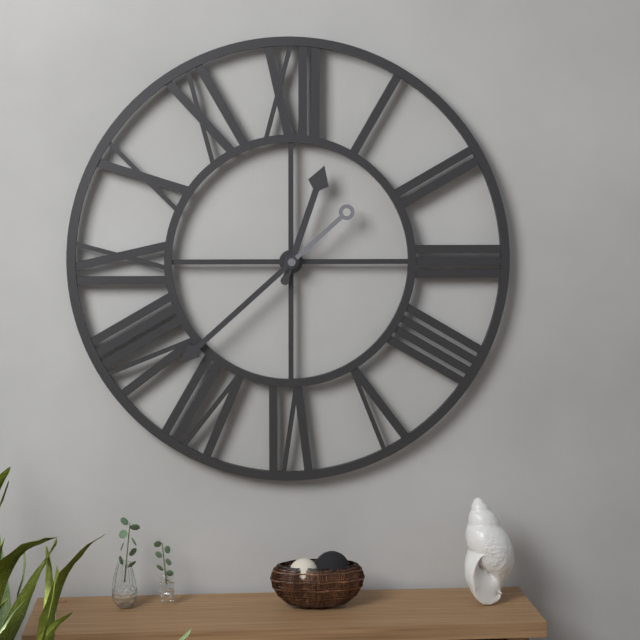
12:38
